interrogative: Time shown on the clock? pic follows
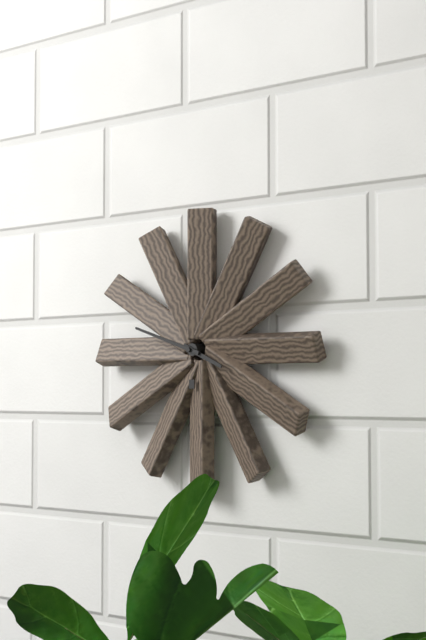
3:48
